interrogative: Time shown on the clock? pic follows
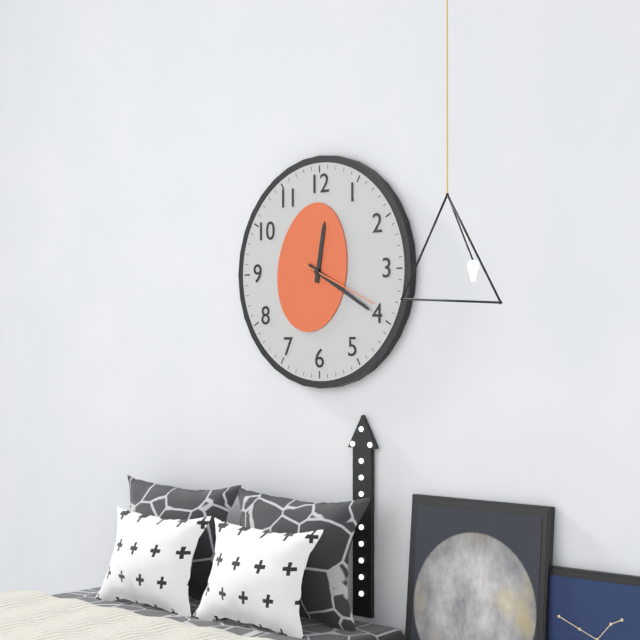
12:20:19
